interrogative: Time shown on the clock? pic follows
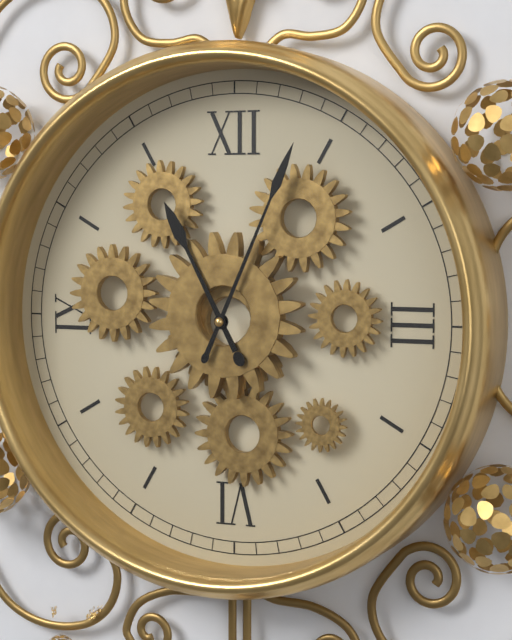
11:04
